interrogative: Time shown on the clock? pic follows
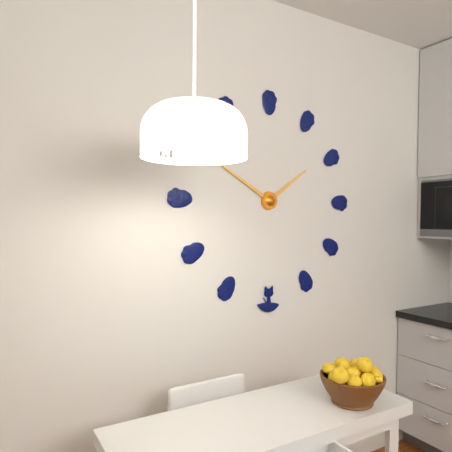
1:50
